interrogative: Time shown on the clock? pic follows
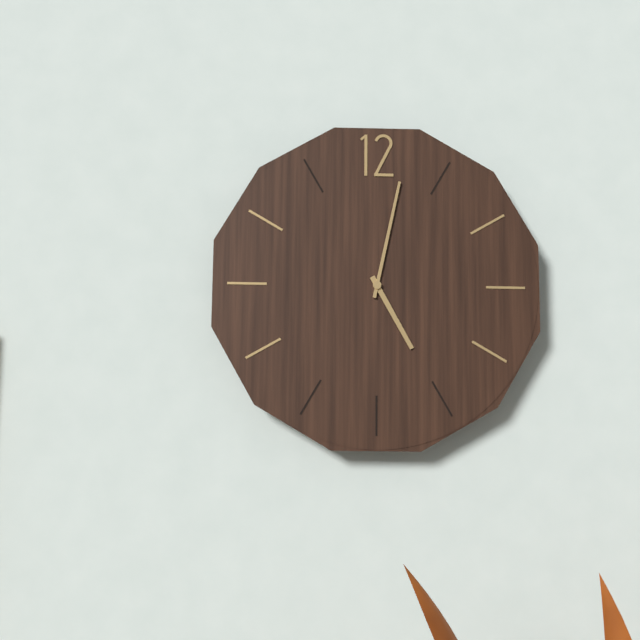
5:02
